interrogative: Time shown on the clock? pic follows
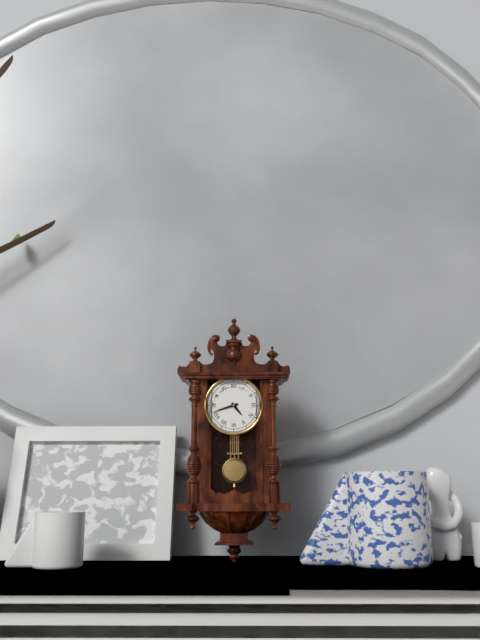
4:42
